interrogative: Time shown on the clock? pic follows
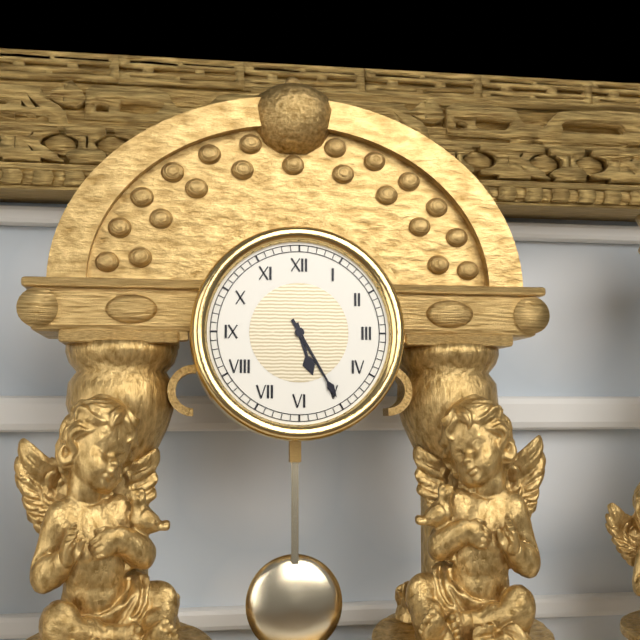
5:25
